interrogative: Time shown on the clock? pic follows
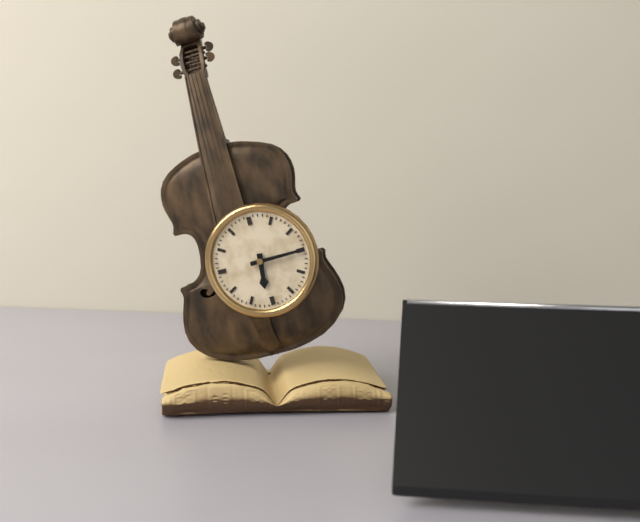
6:15
